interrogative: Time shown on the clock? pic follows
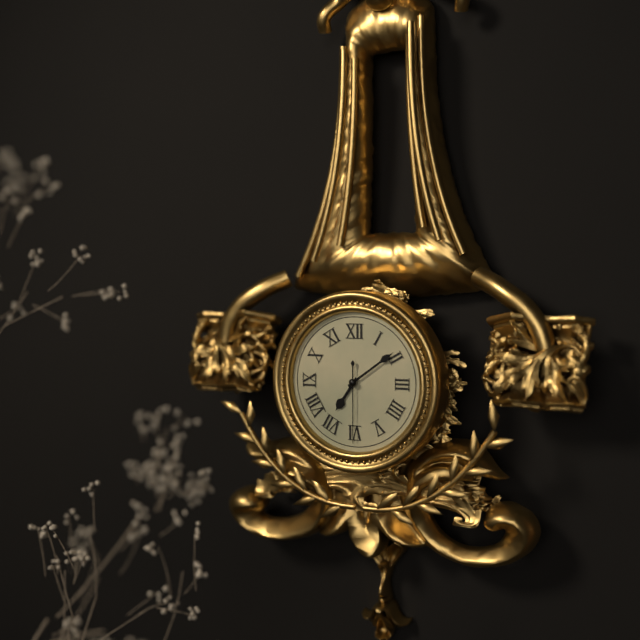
7:09:30
